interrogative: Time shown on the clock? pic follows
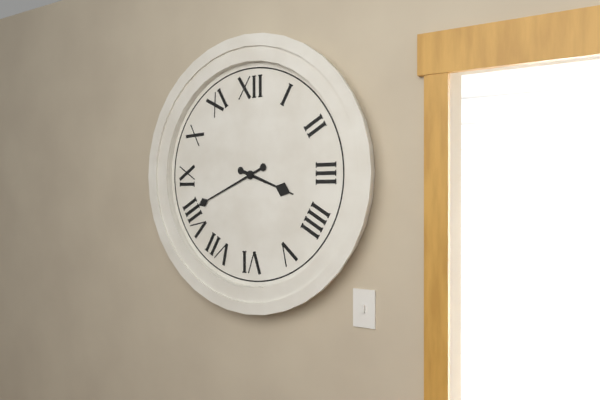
3:41
